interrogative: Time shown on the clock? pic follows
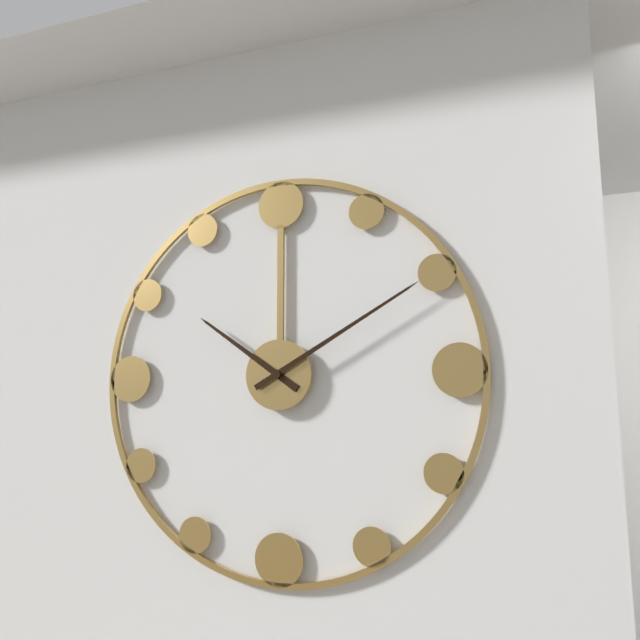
10:10
